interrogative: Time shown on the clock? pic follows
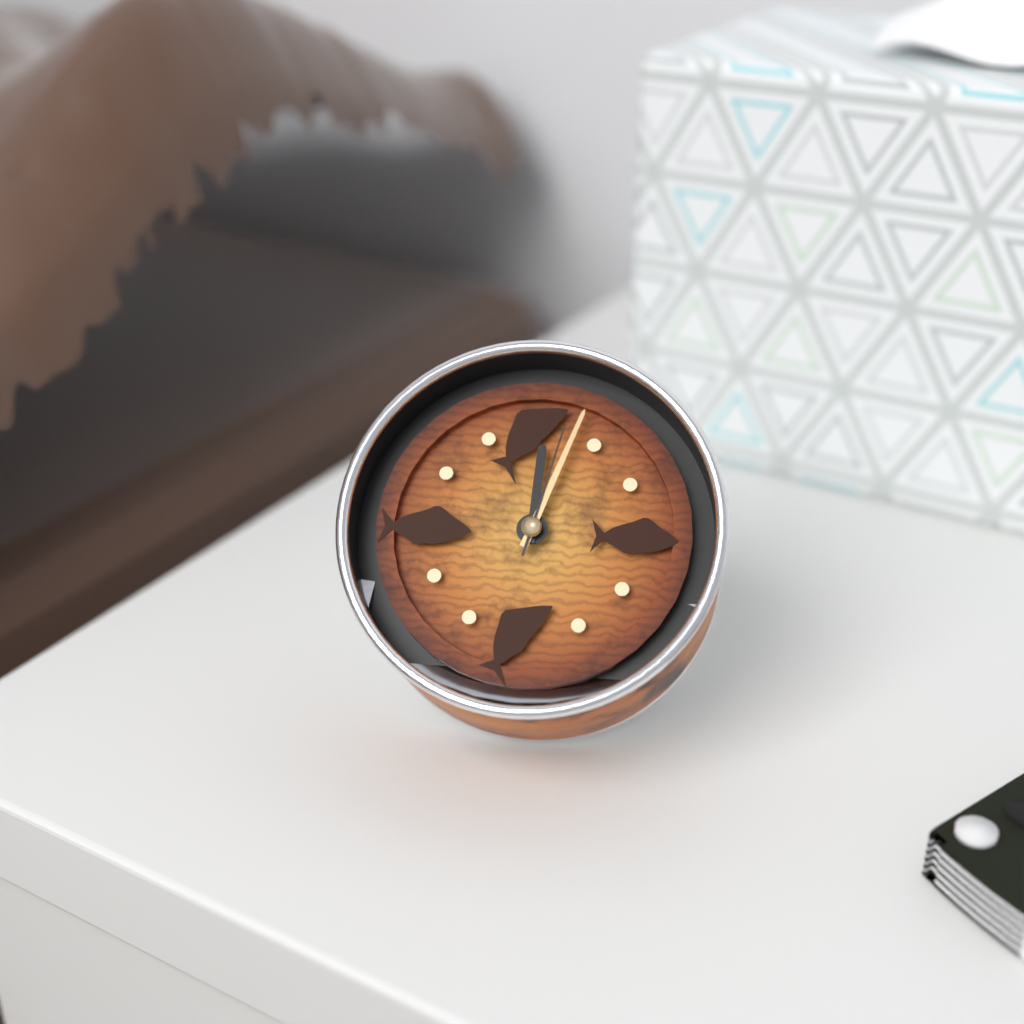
12:03:02
